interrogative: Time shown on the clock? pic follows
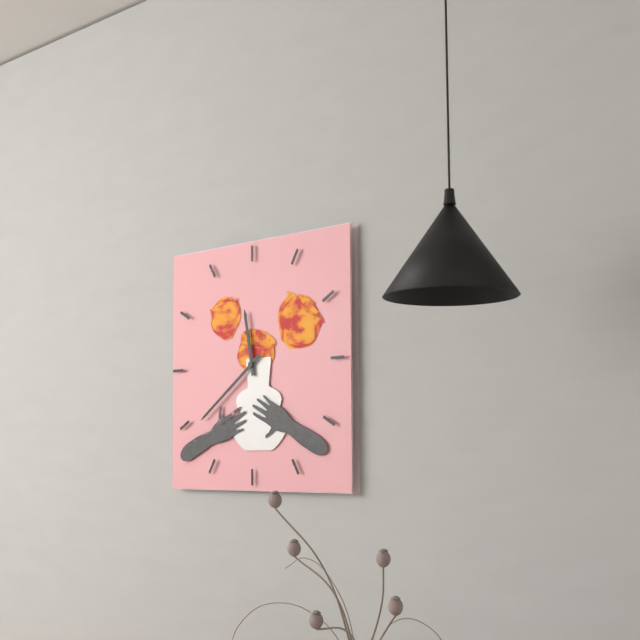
11:39
